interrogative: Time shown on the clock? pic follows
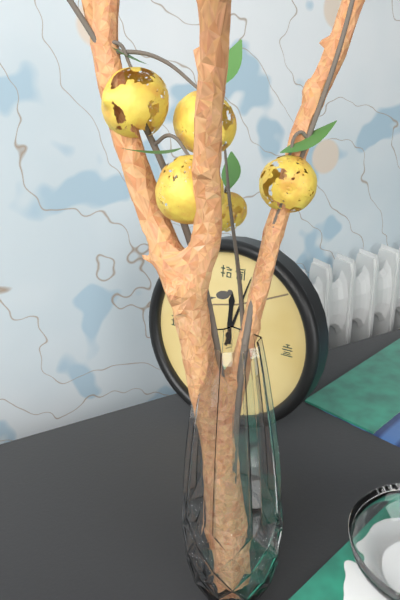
12:03
